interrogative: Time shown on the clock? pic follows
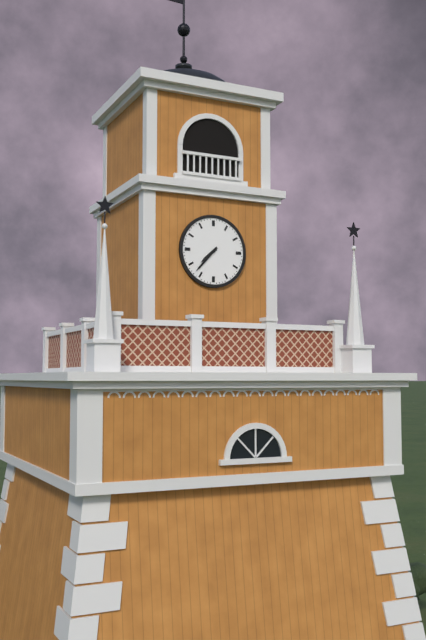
7:37
